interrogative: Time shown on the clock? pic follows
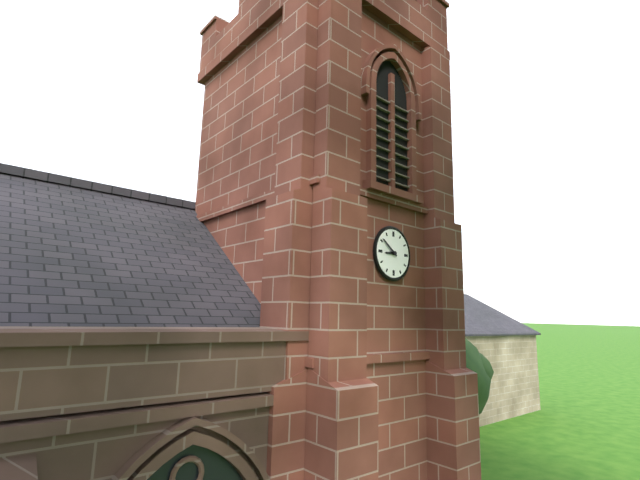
8:51
